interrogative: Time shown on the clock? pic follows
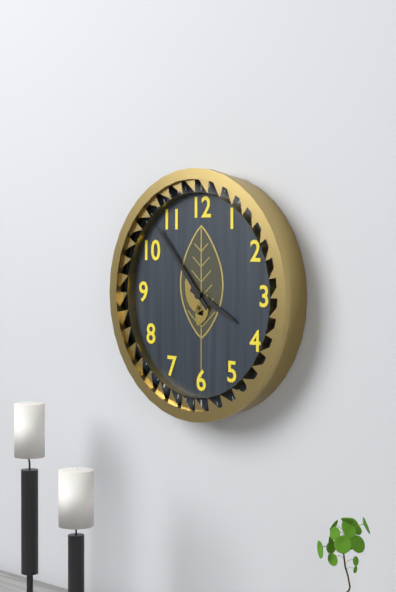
3:53
